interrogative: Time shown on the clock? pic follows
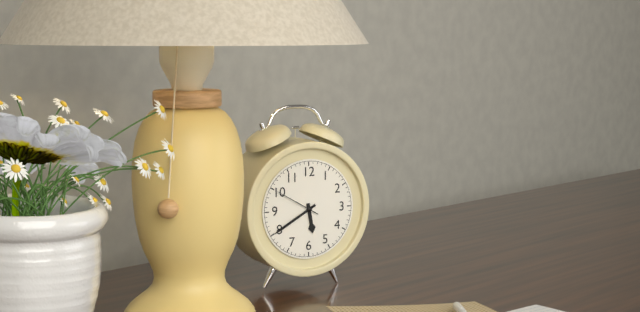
5:40
